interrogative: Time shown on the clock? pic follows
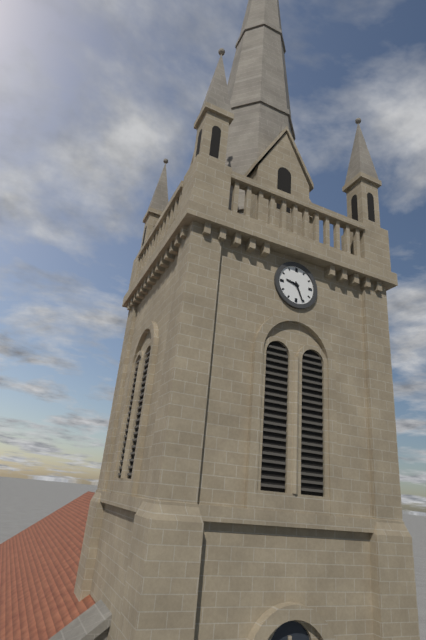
9:26
